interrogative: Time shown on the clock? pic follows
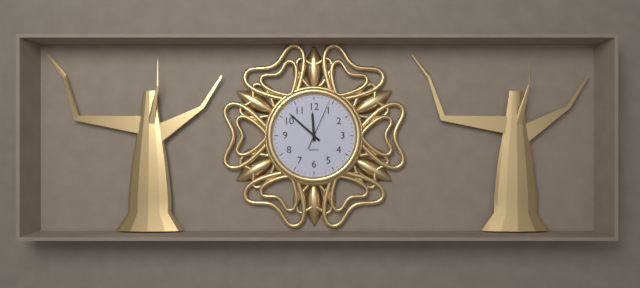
11:52
